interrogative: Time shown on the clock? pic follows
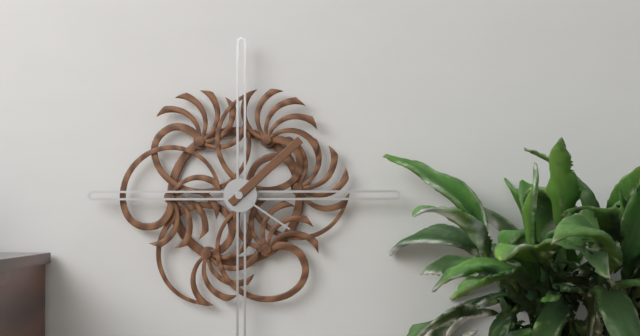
4:08
